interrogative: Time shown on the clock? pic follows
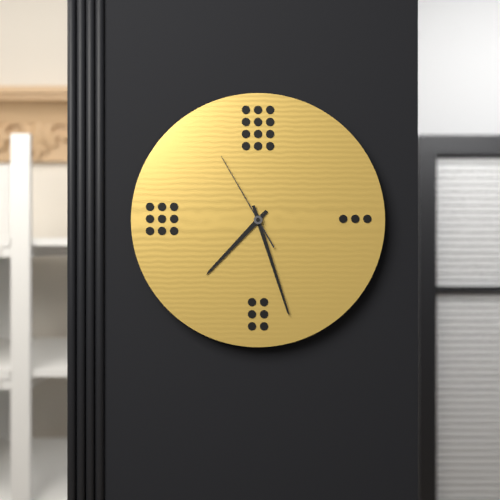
7:27:55
